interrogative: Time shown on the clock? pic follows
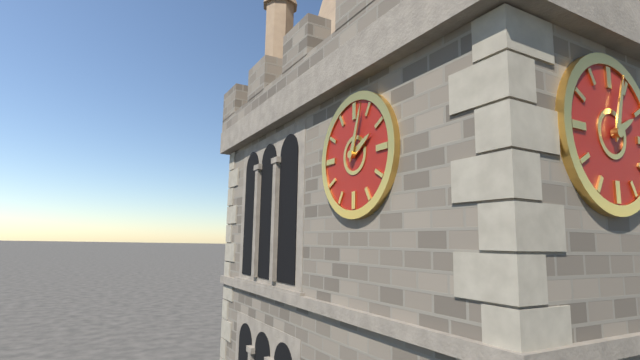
2:03
